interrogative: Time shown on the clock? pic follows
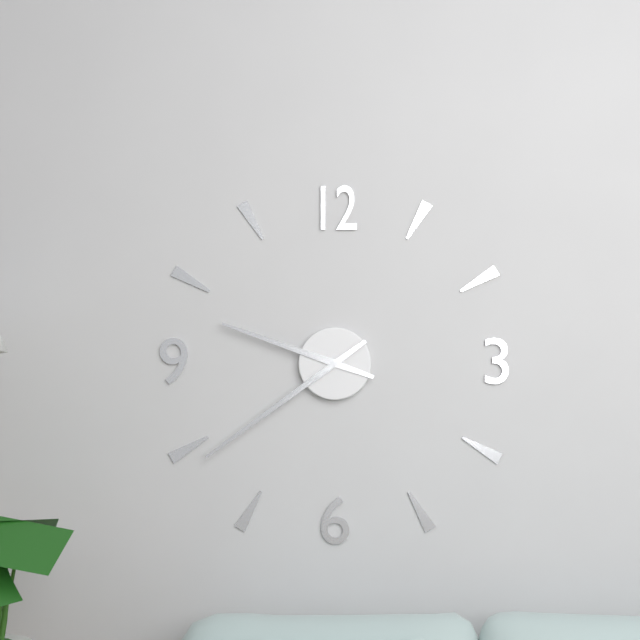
9:39
